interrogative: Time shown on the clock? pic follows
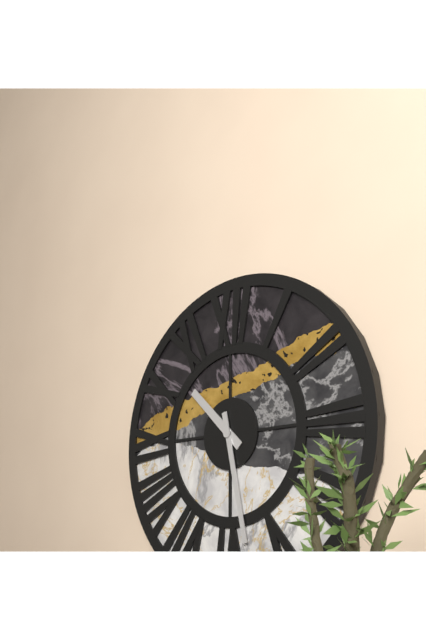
10:28
